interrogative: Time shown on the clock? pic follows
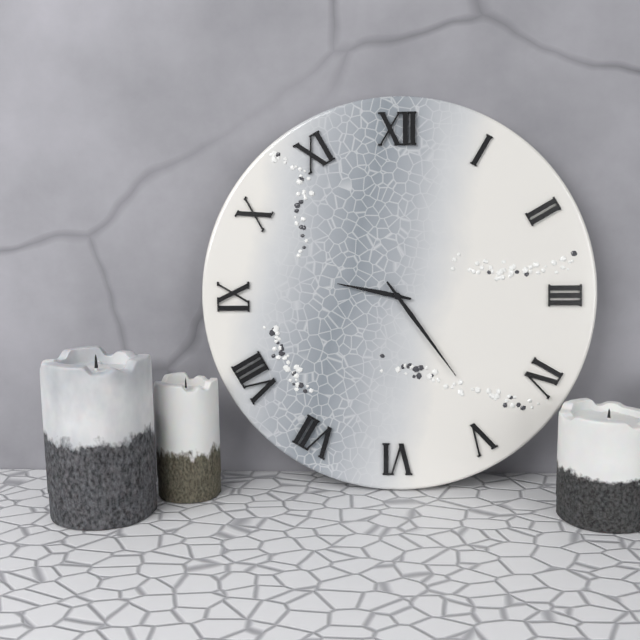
9:24
